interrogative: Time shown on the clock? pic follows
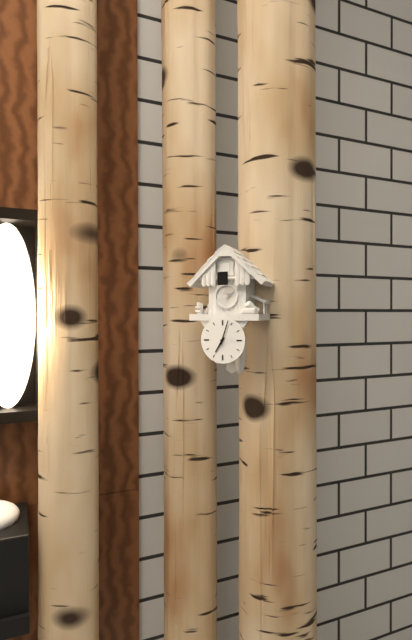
7:03
